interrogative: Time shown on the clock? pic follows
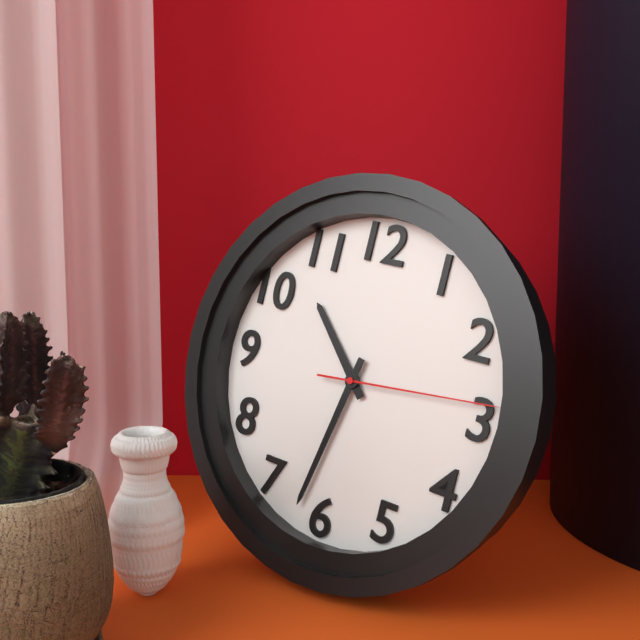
10:32:14
